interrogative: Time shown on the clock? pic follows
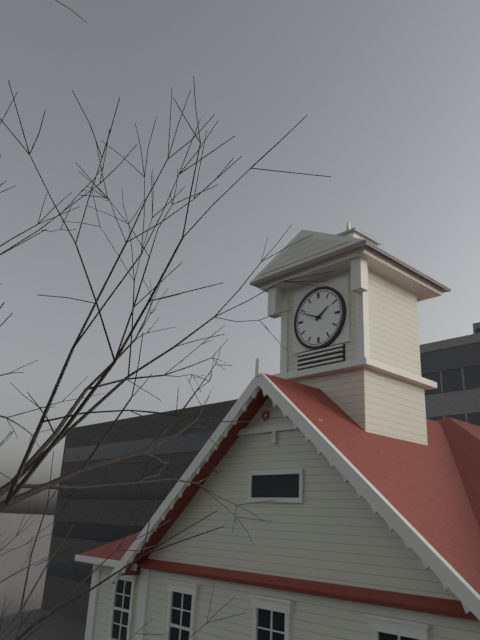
1:49
